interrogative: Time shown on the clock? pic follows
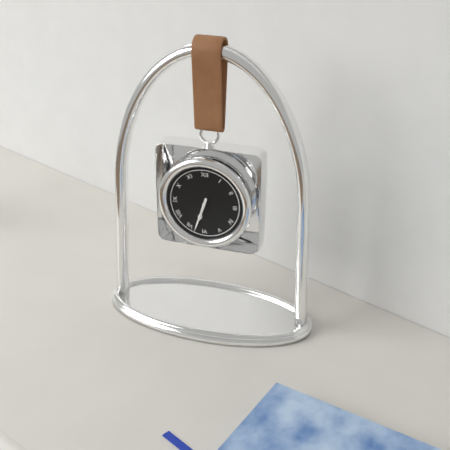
6:33
